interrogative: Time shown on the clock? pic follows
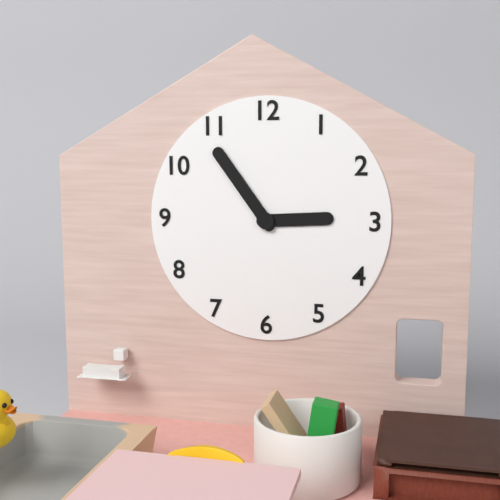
2:54
